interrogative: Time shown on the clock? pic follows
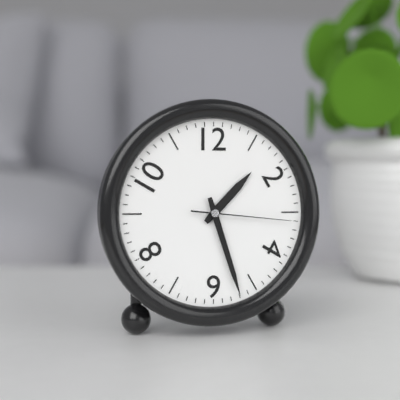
1:27:16
